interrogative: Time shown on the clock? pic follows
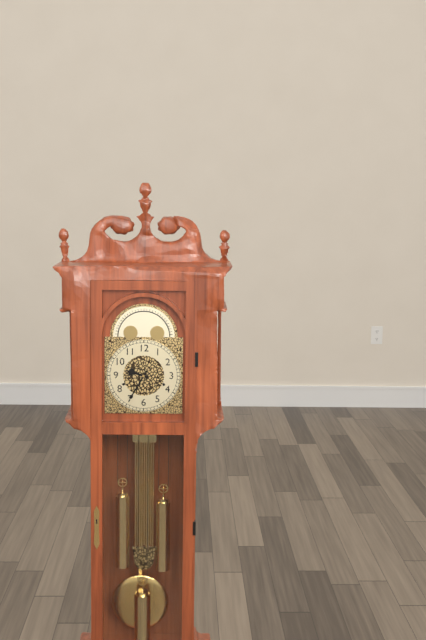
9:35
